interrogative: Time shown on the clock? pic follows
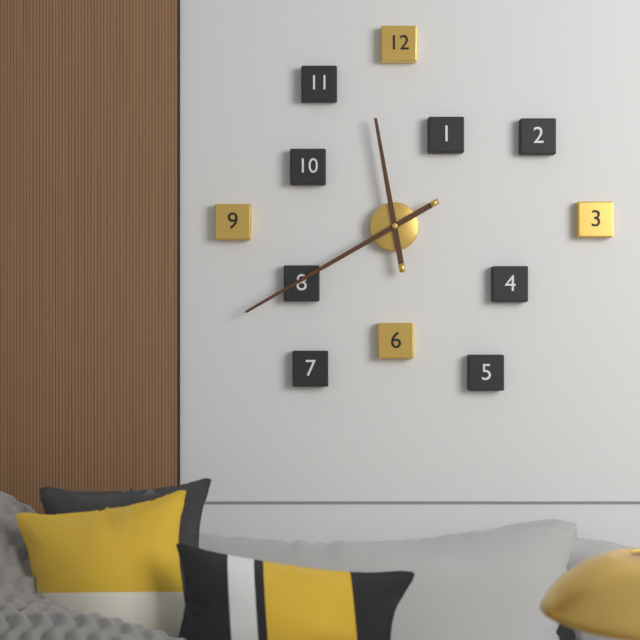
11:40
